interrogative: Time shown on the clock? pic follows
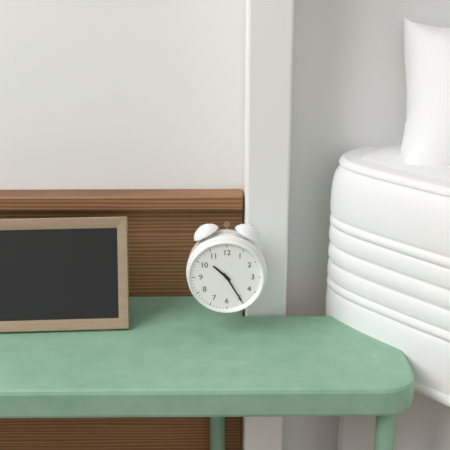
10:25
